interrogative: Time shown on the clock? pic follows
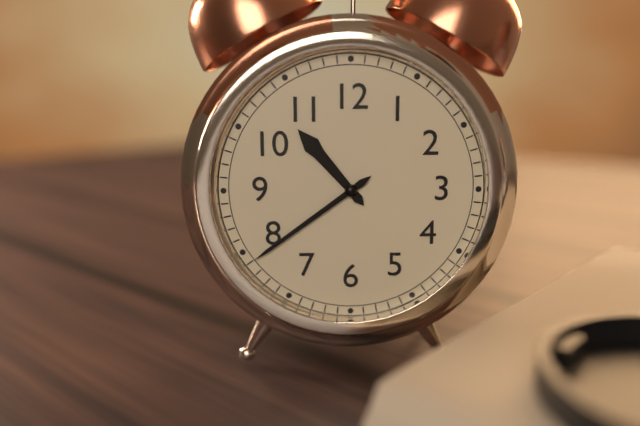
10:39
